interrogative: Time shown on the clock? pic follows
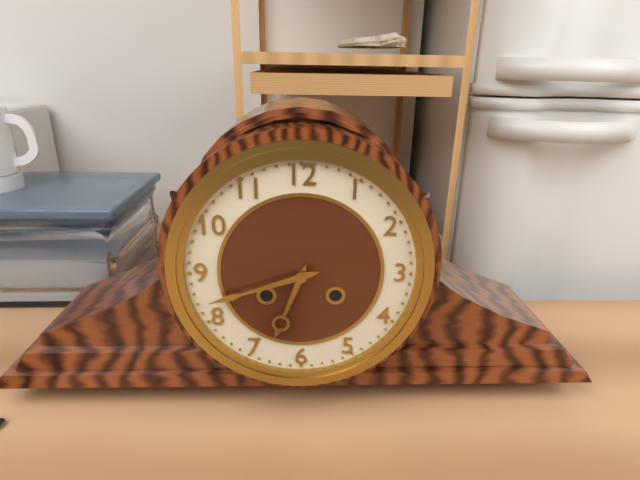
6:42
